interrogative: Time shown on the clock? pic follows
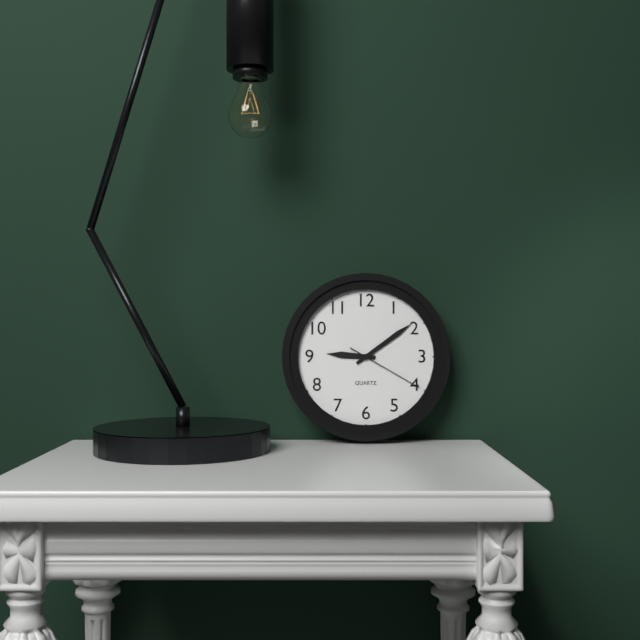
9:09:20
